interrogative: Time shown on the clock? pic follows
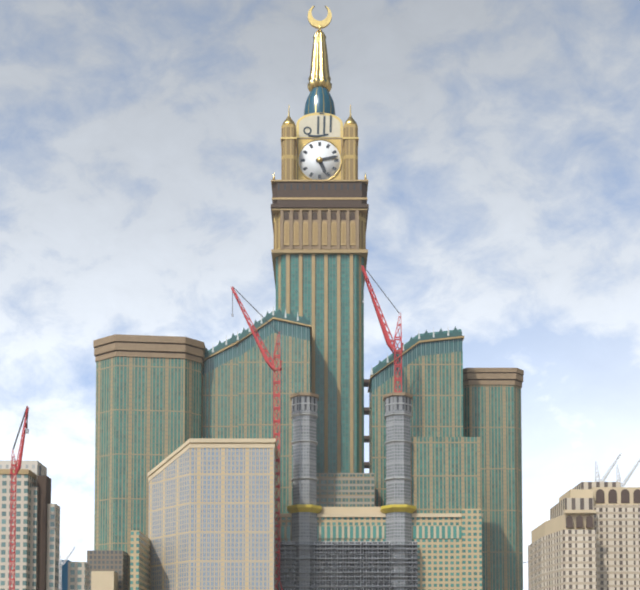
5:13
